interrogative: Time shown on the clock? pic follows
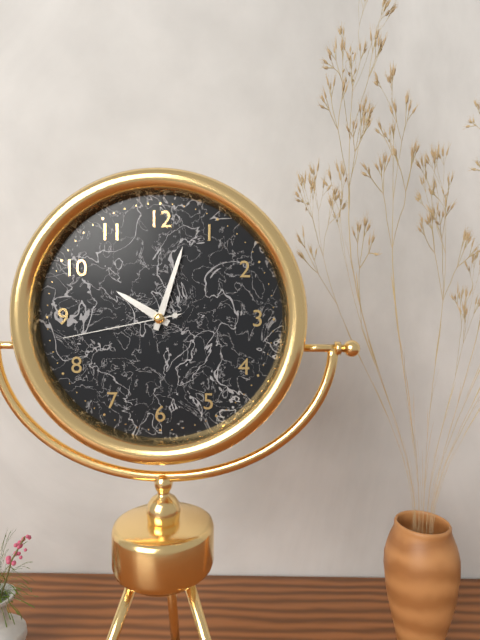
10:03:43
